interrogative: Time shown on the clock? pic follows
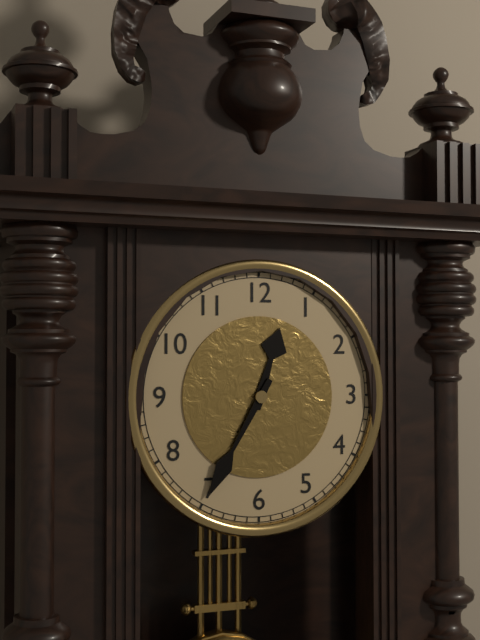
12:35
